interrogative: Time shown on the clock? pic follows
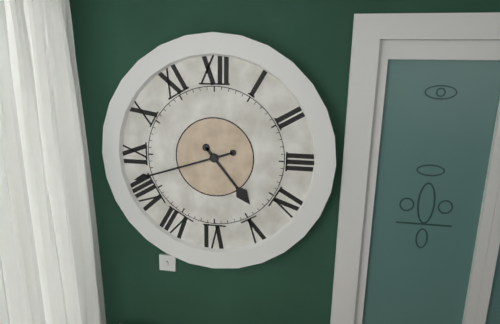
4:42
